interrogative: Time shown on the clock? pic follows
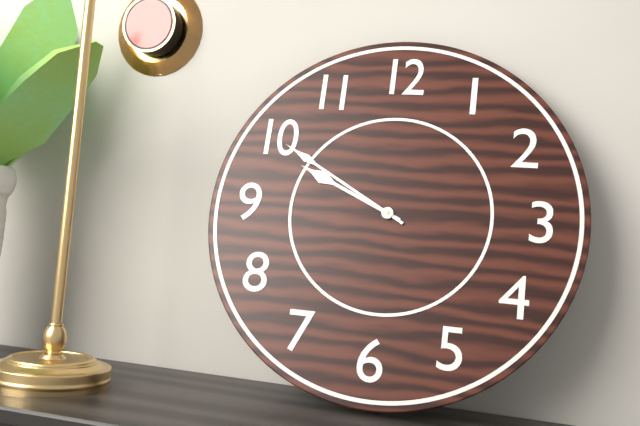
9:50
